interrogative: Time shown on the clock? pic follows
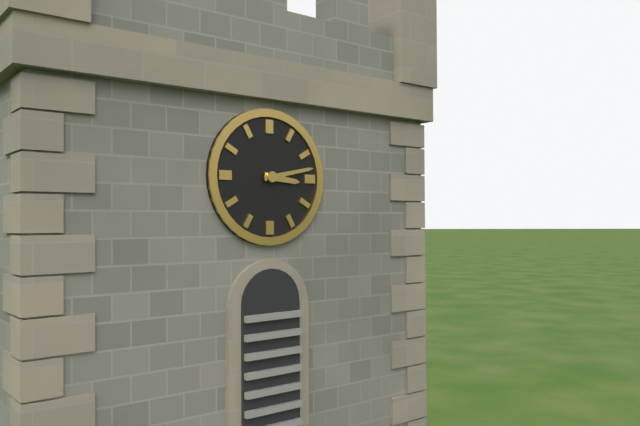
3:13
